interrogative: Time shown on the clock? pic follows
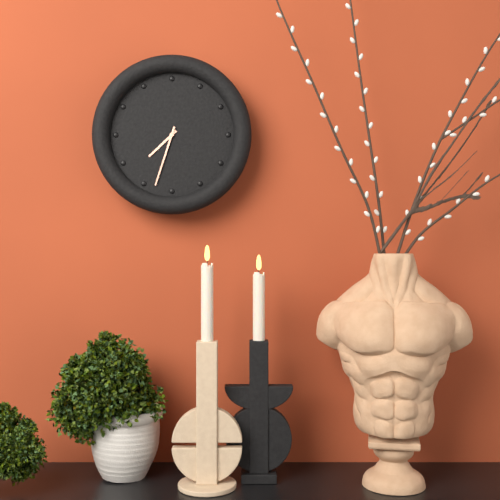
7:33
